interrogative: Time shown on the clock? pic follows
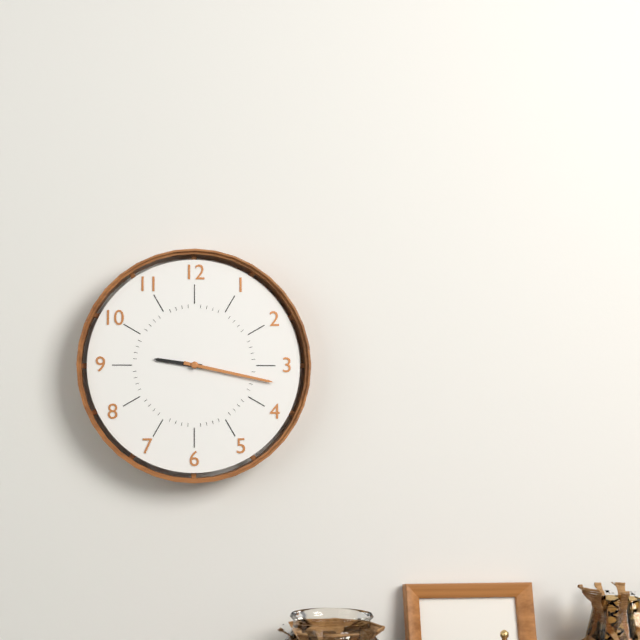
9:17
